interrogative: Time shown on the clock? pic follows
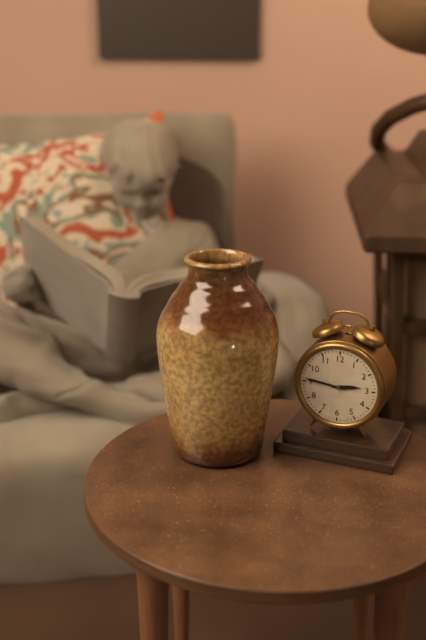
2:46
